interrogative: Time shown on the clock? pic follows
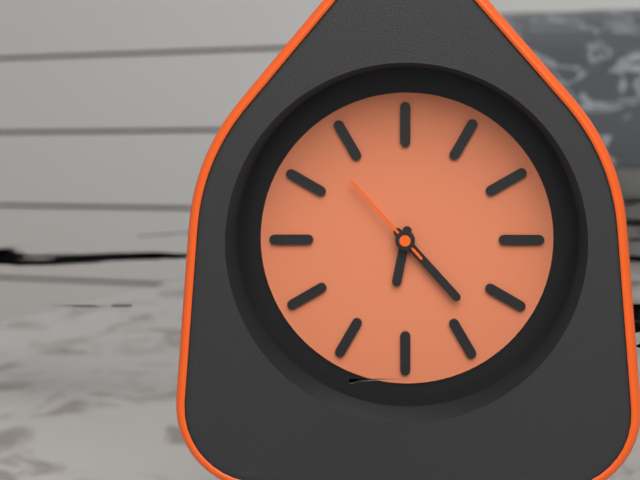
6:23:53
